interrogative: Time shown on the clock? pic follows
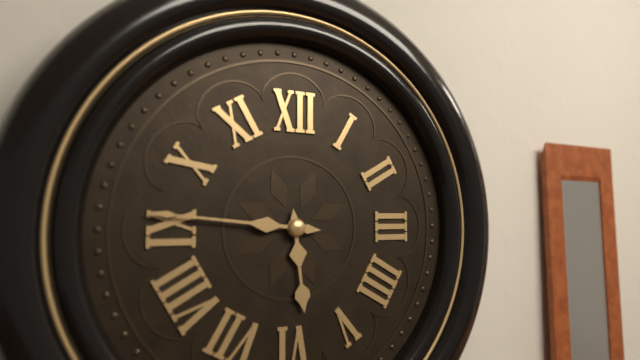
5:46
